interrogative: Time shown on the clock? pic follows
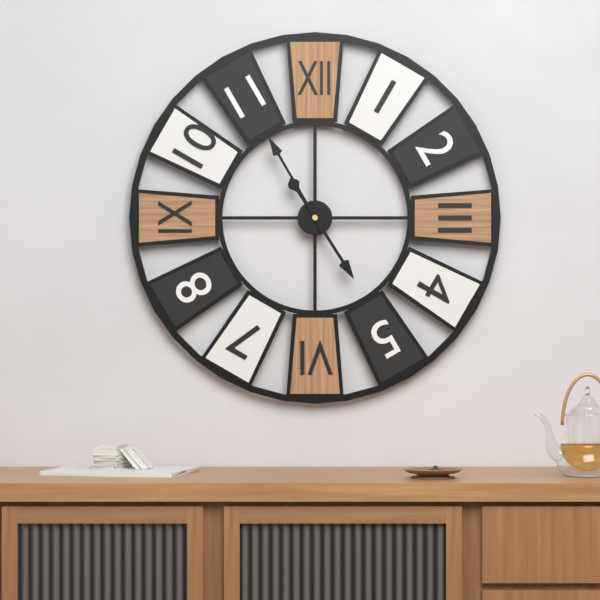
4:55
